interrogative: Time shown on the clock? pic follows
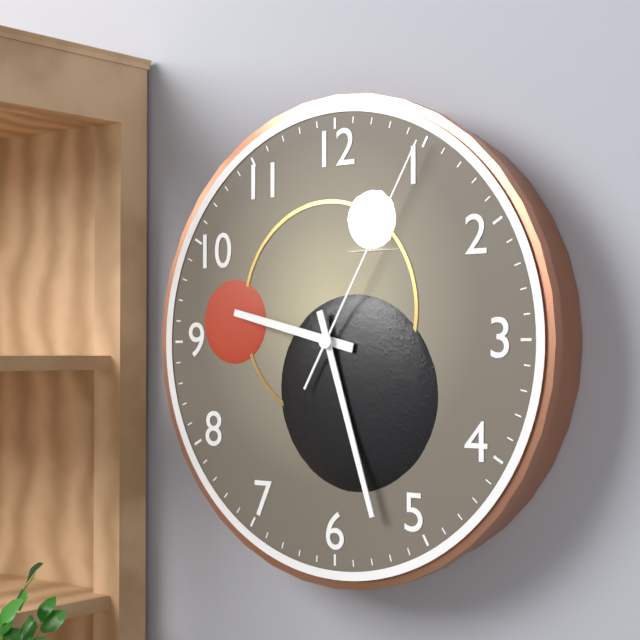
9:27:05
